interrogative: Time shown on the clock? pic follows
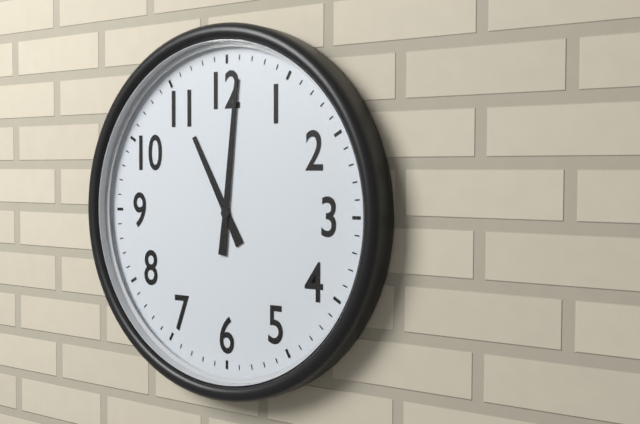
11:01
